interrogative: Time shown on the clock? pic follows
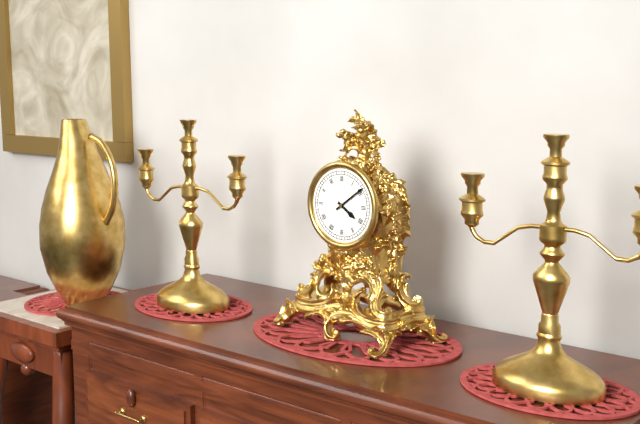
4:09
